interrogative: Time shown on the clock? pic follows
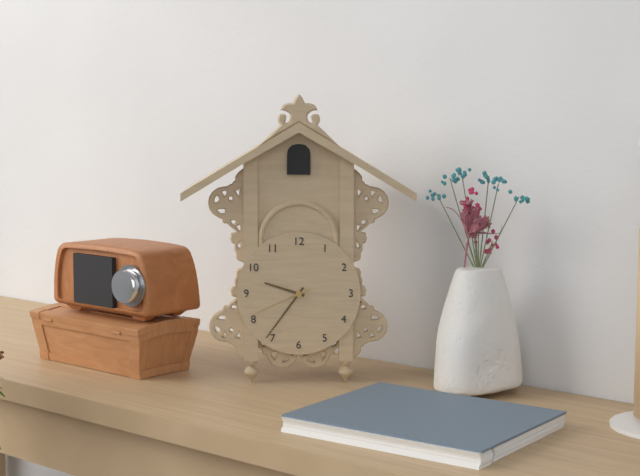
9:36:41
